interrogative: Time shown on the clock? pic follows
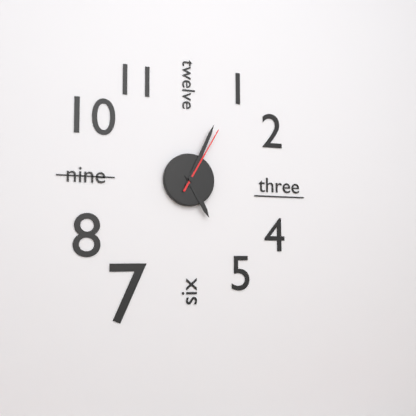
5:04:05
